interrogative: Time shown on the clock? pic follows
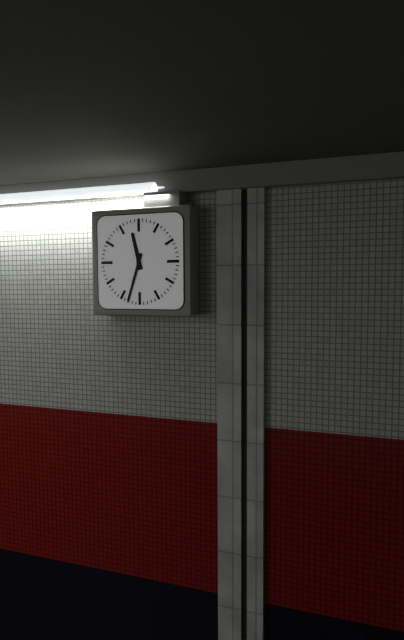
11:33
